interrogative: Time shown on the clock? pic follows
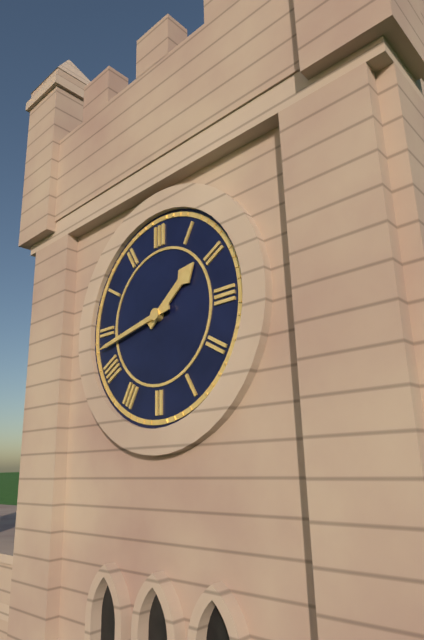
1:43
